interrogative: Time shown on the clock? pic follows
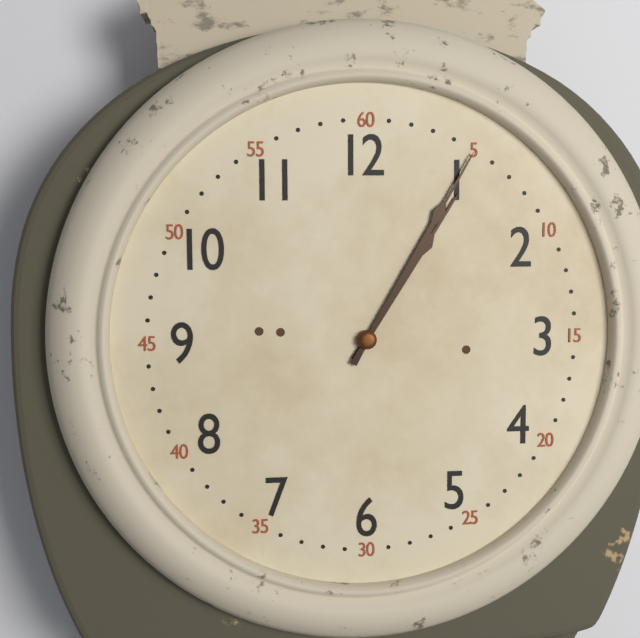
1:05
